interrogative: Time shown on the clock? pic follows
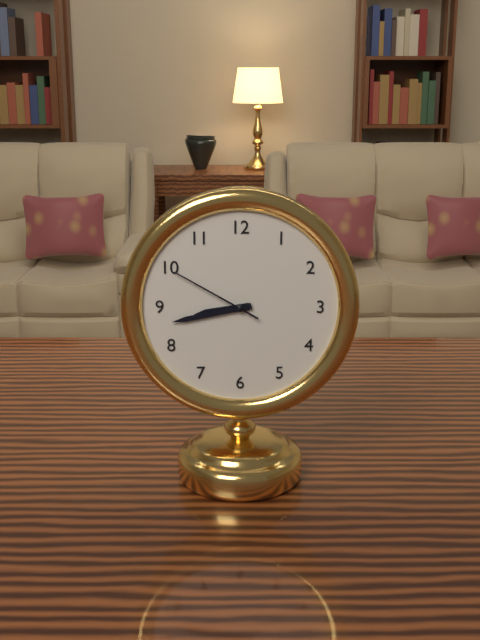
8:43:50
